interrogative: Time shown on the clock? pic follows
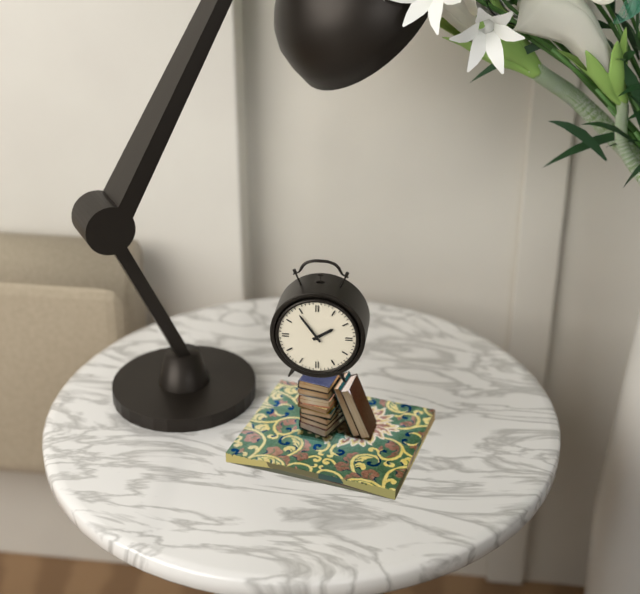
1:54
